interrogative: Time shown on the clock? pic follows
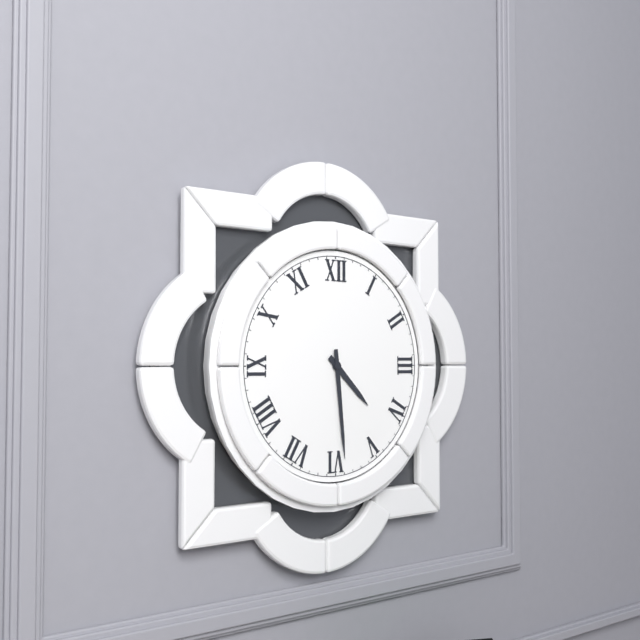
4:29
